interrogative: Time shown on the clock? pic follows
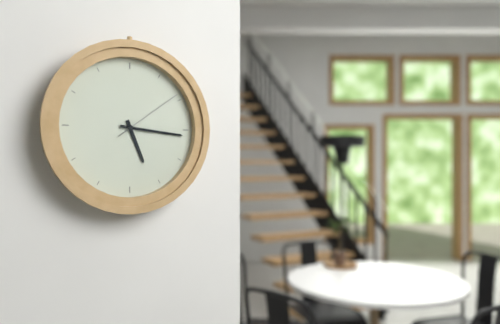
5:16:09
